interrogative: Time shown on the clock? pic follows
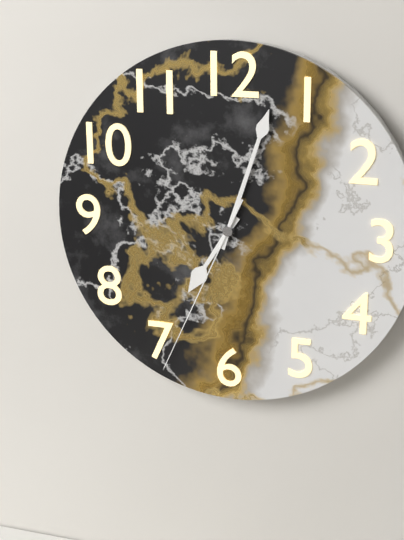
7:03:34
